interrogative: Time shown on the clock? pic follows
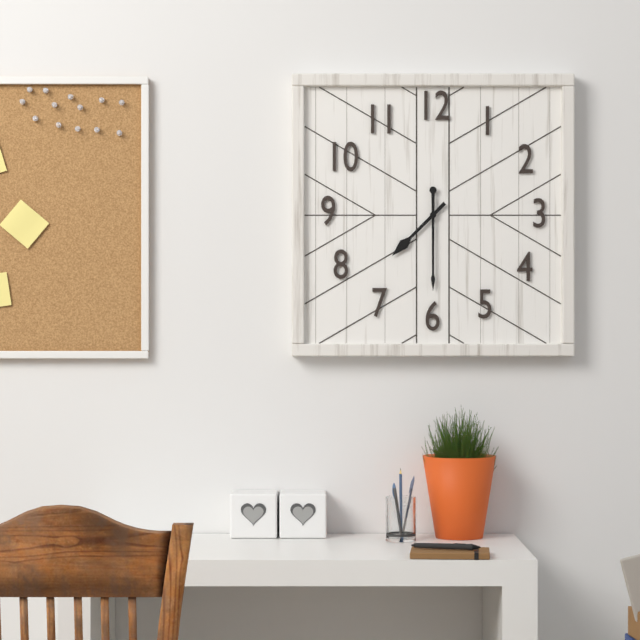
7:30
